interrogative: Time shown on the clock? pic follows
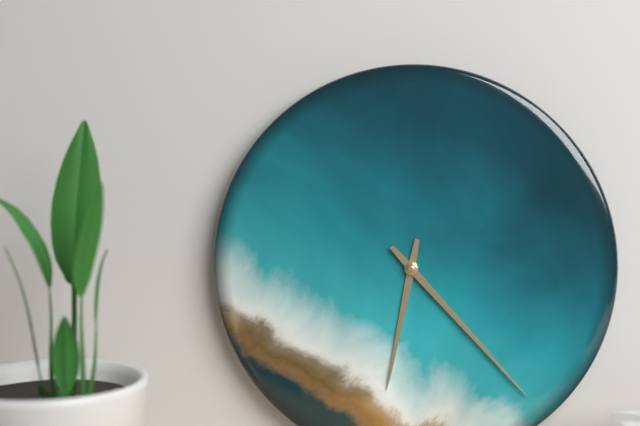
6:23
